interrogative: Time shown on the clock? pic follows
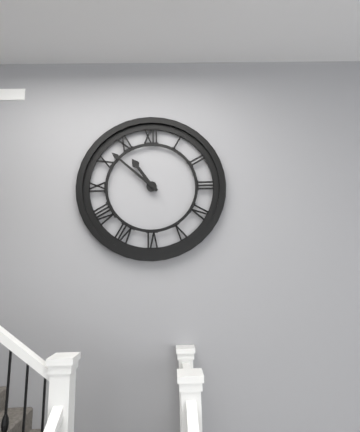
10:52
